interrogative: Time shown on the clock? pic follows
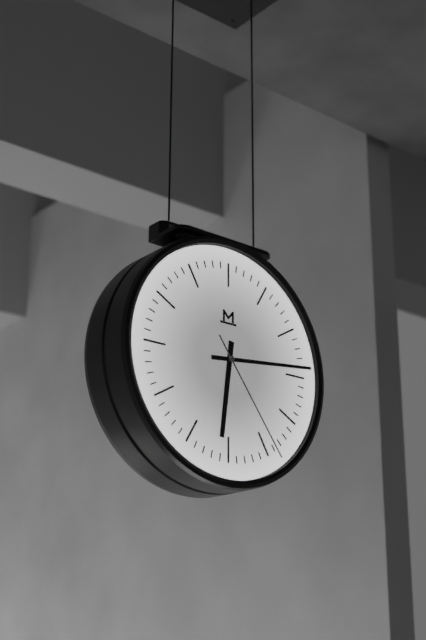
6:14:24
